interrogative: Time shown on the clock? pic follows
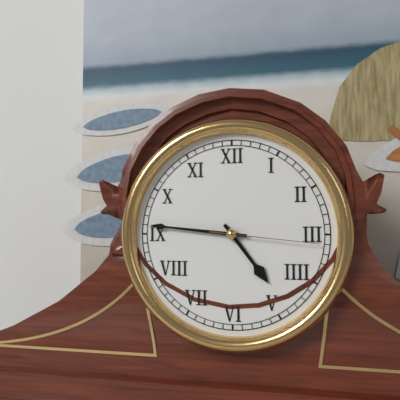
4:46:16
